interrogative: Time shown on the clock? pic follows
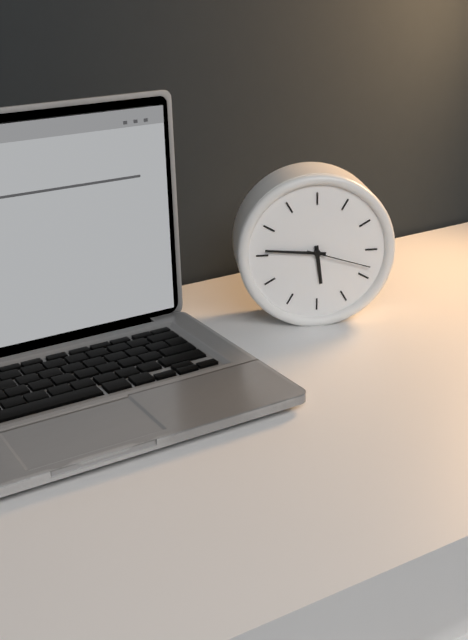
5:46:18
